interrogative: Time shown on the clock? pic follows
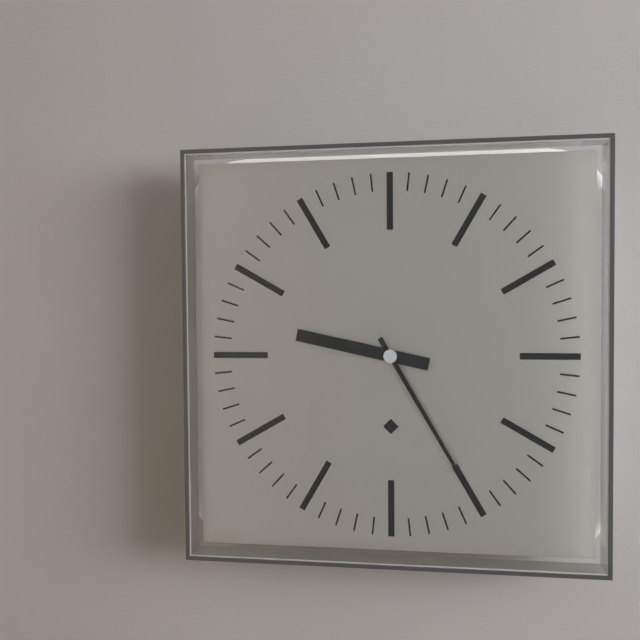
9:25
